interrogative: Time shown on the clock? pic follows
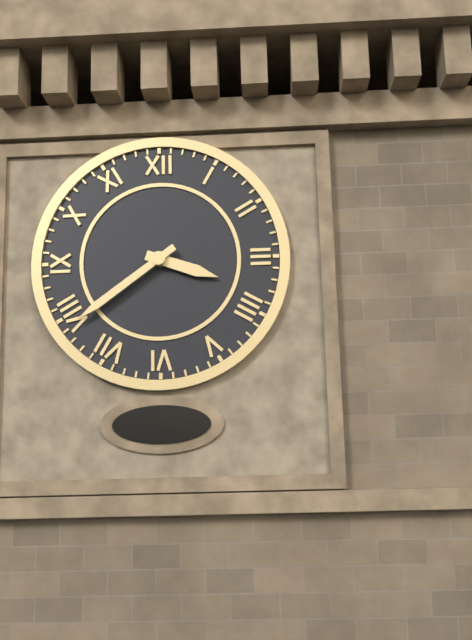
3:39
